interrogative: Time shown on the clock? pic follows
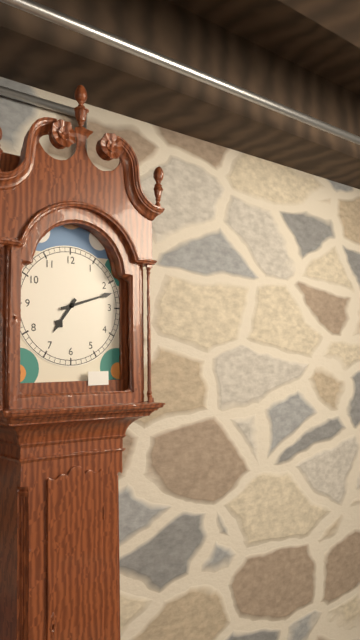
7:12
